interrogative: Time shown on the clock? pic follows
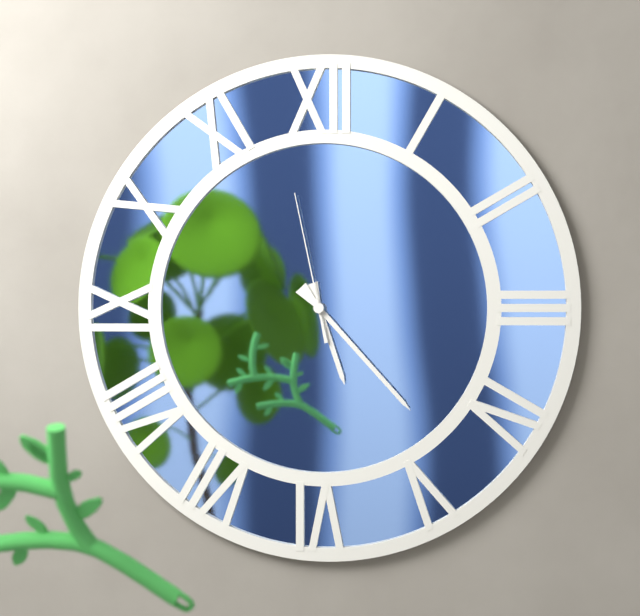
5:23:58
